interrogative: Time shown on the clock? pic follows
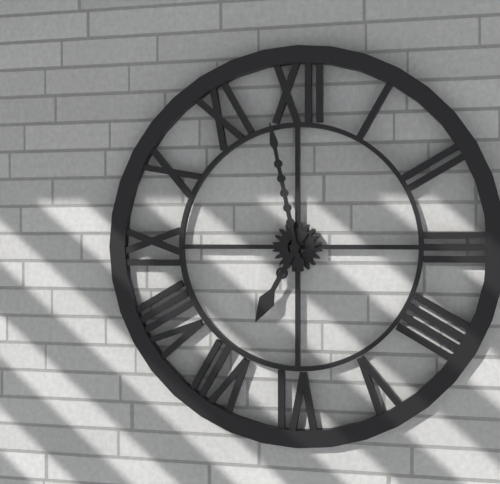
6:58
